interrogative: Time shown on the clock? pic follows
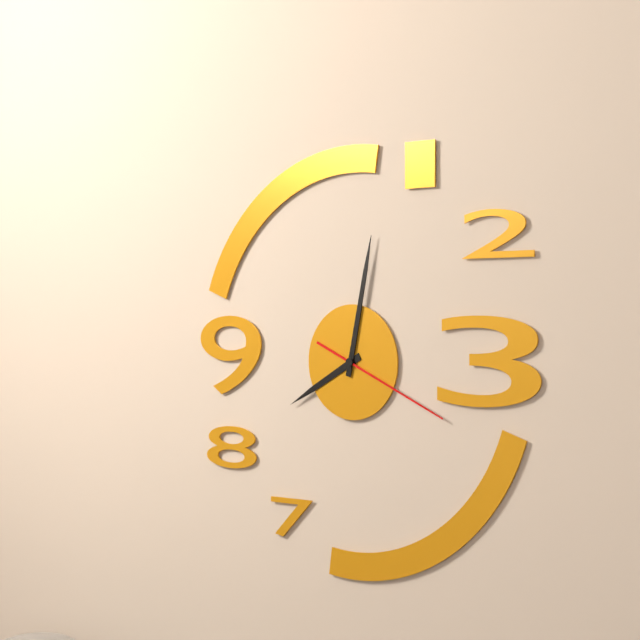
8:02:19
